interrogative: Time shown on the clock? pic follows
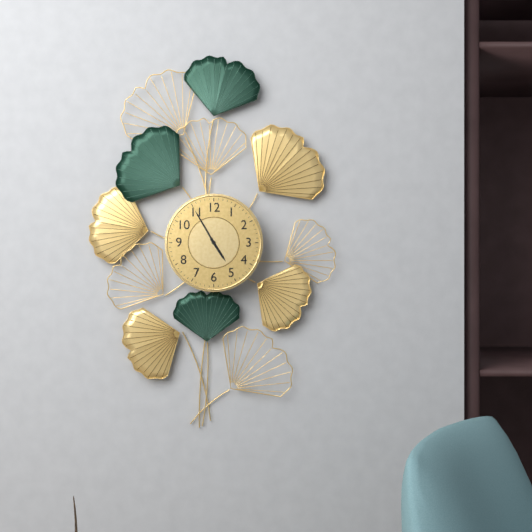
4:55
